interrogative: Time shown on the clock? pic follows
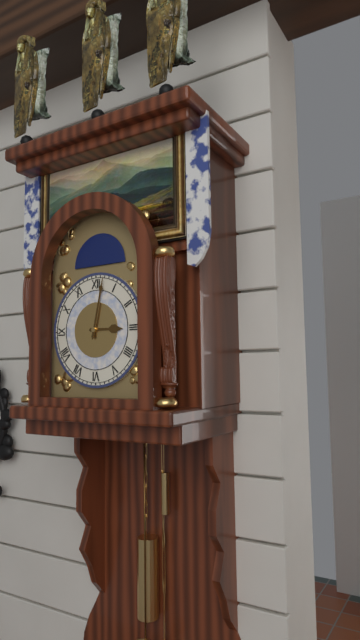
3:02
